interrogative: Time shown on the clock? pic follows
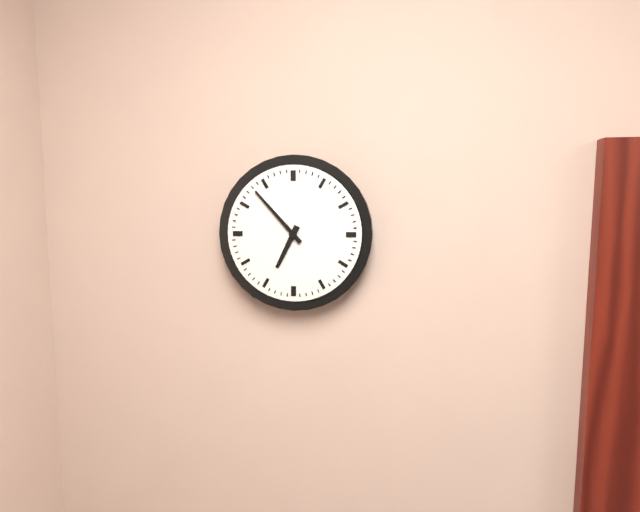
6:53
